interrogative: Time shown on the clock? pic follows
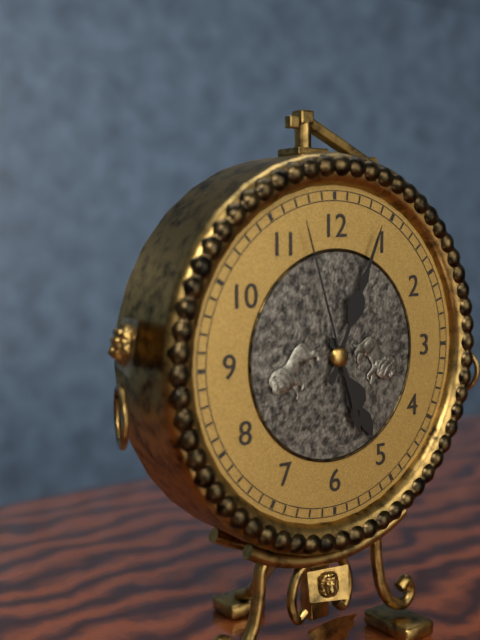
5:04:57
